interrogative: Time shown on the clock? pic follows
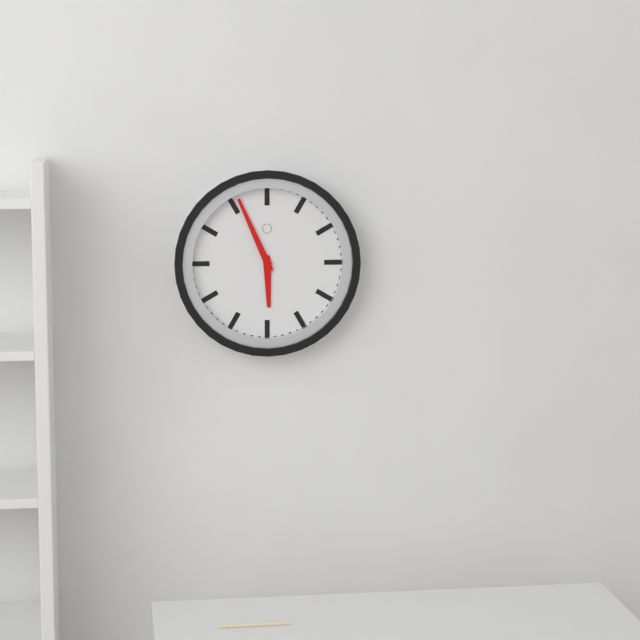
5:56
